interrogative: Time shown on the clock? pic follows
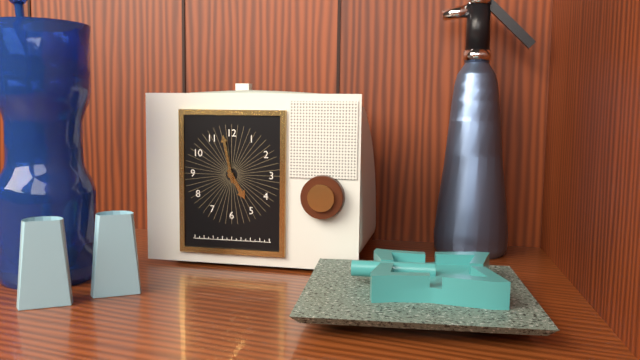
4:58
